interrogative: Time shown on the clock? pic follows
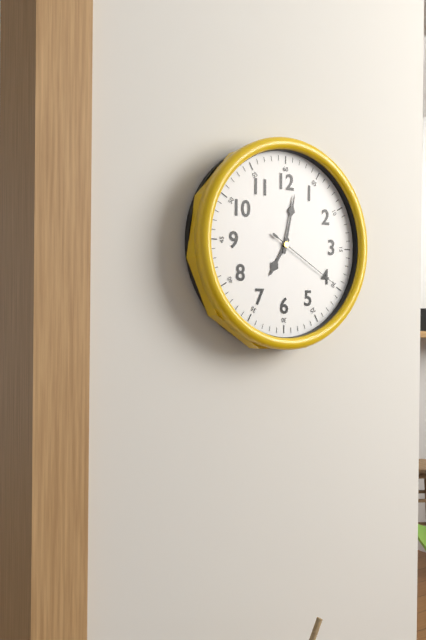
7:02:20
